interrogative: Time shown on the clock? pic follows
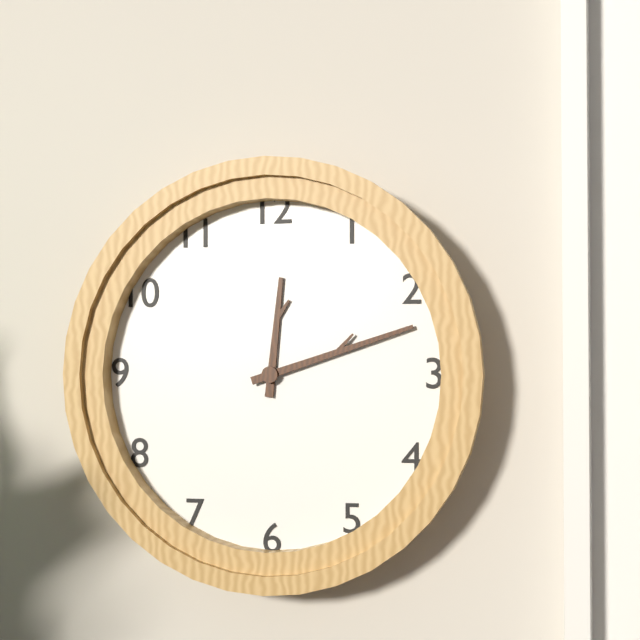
12:12
